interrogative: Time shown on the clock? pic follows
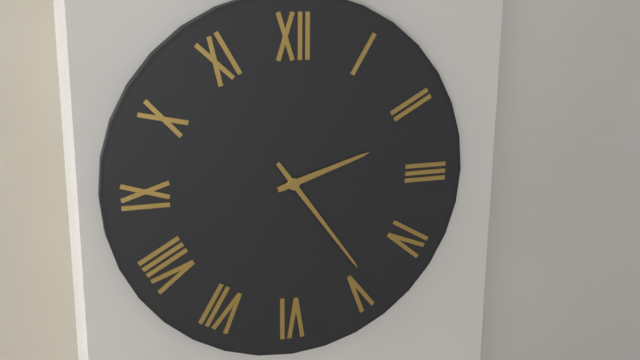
2:24
